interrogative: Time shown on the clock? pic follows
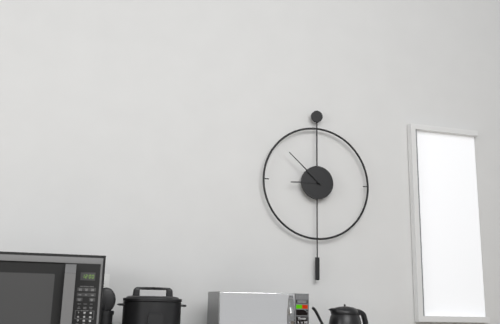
8:52
